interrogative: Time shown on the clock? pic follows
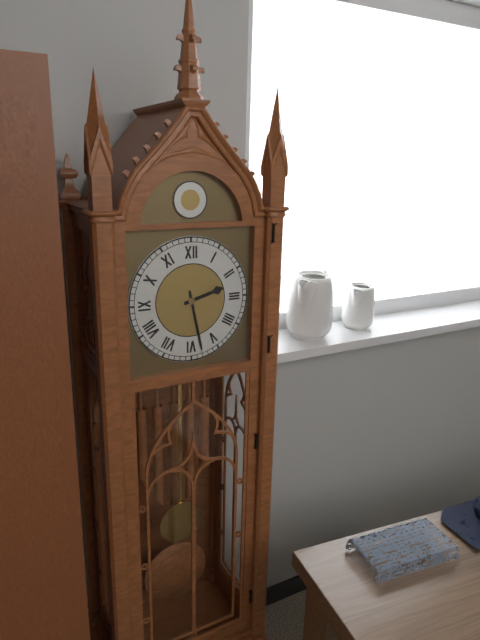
2:28
